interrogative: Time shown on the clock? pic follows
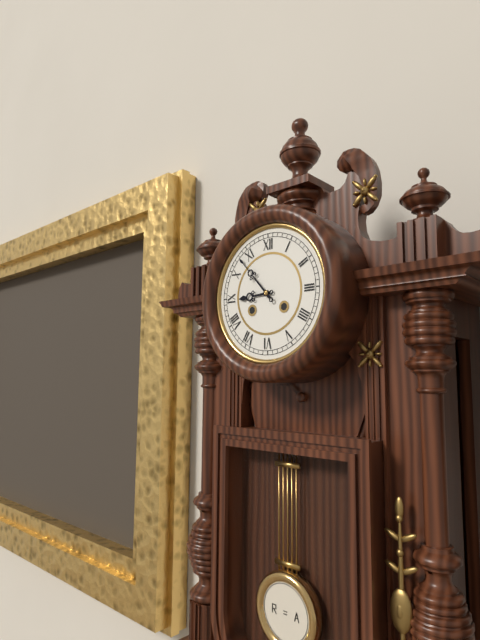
8:53
